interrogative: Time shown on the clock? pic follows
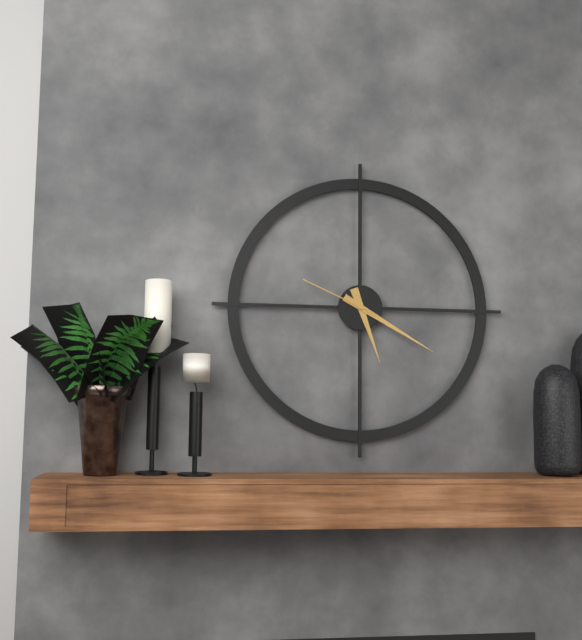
5:20:49
